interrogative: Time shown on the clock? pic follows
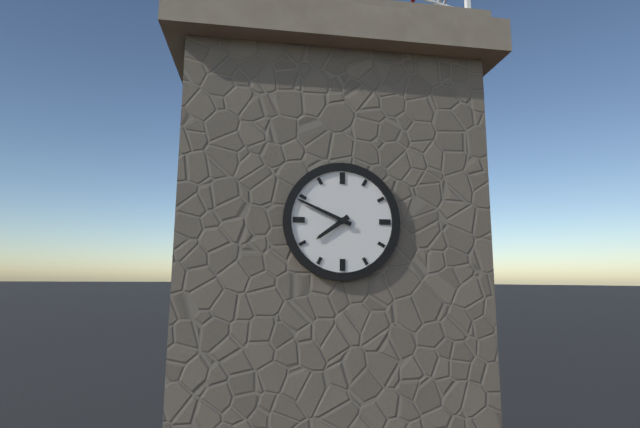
7:49
